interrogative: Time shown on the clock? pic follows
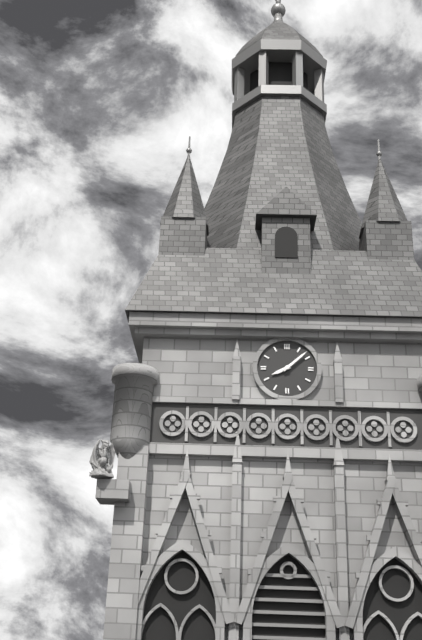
8:08
